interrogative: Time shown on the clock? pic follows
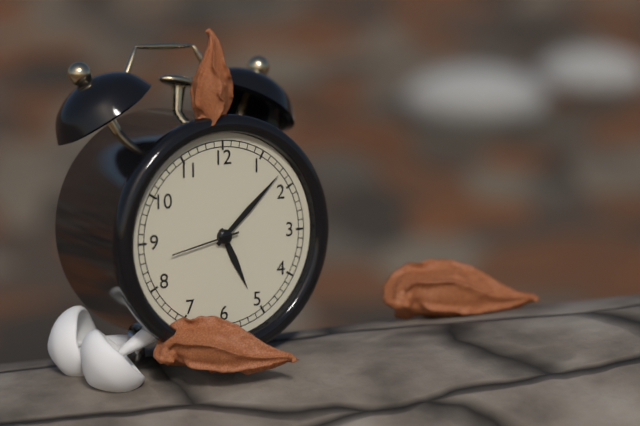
5:08:43
